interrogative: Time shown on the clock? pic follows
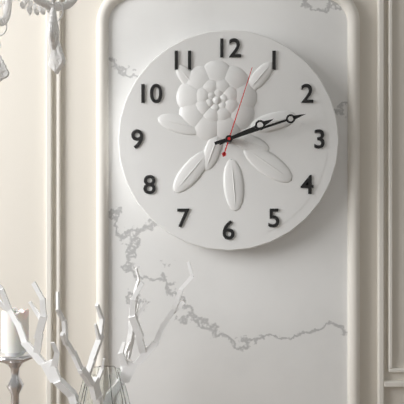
2:12:03
